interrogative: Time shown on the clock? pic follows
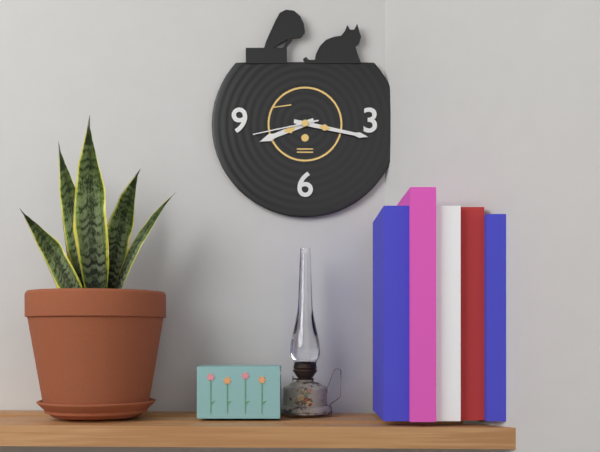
8:17:43
